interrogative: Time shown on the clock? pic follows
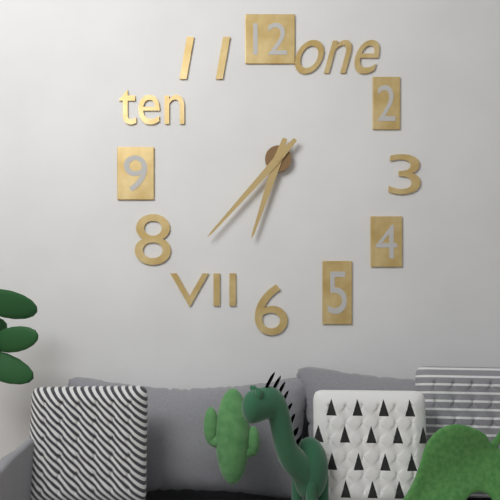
6:37
